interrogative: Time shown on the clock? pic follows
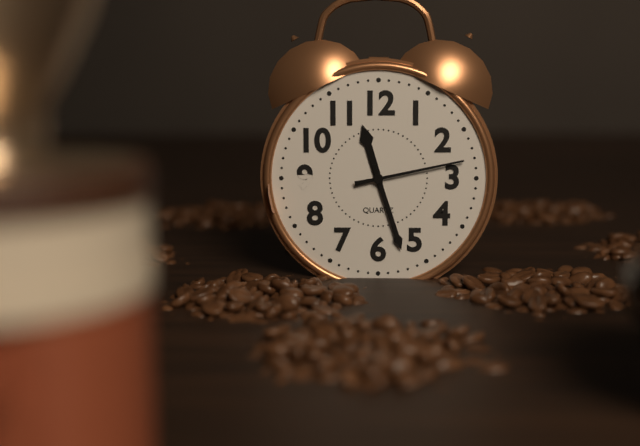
11:27:13
